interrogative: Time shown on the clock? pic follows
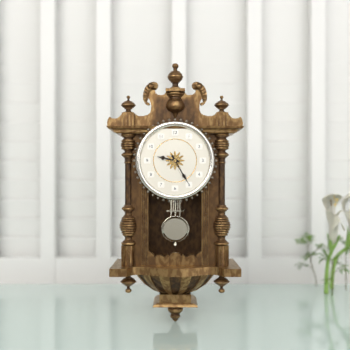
9:25
